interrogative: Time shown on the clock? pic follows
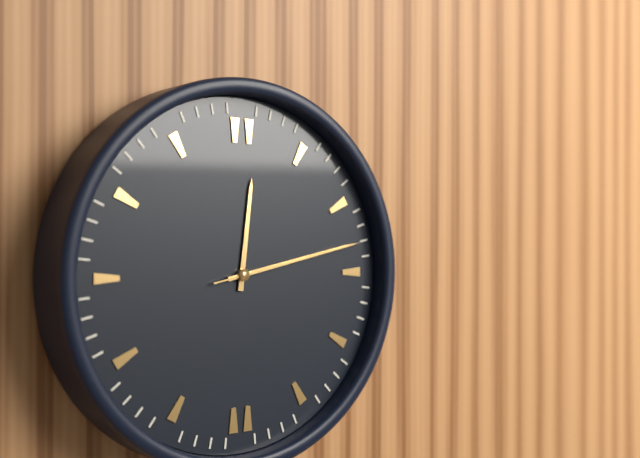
12:13:13
